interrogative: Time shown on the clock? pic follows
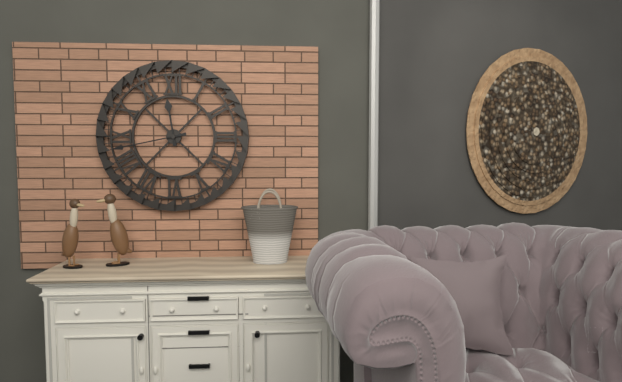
11:43
